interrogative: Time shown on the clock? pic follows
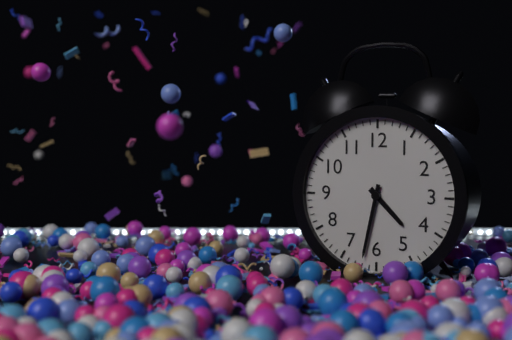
4:32
